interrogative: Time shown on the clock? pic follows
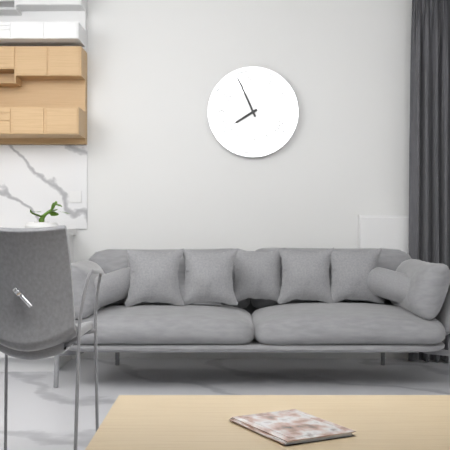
7:56
